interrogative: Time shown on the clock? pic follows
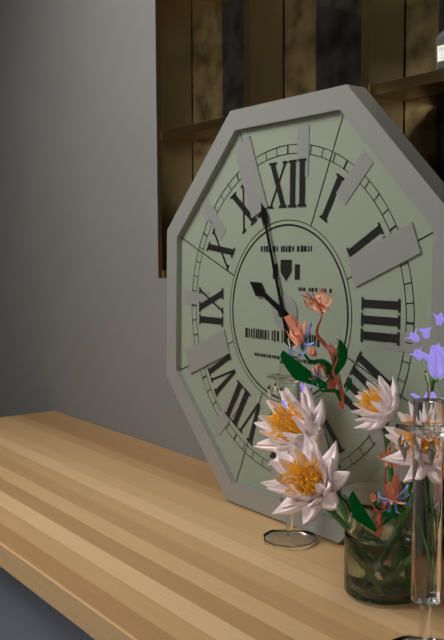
9:57
